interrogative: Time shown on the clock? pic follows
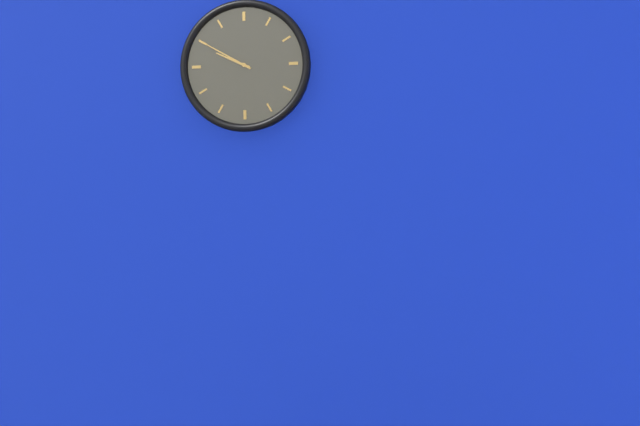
9:50
